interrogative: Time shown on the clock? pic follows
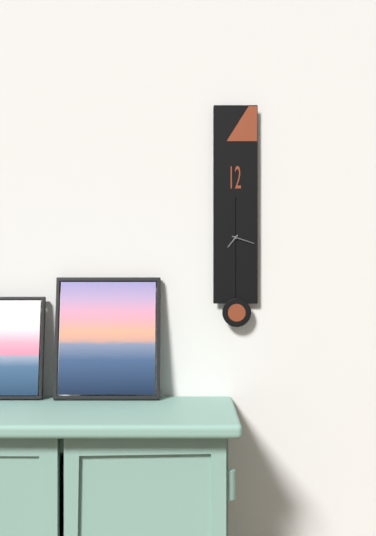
7:18
